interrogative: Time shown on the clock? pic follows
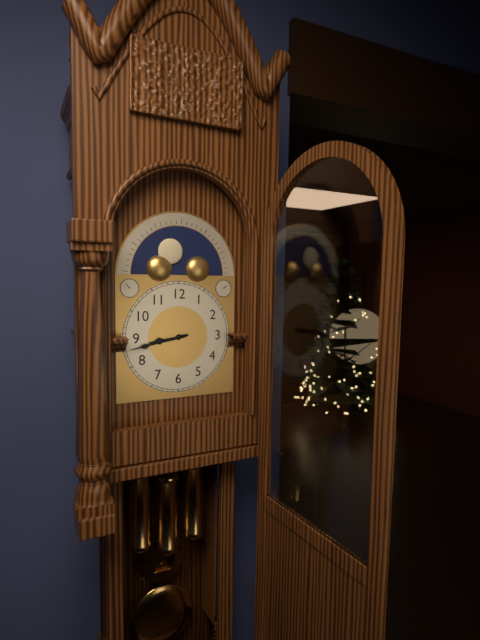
8:43
